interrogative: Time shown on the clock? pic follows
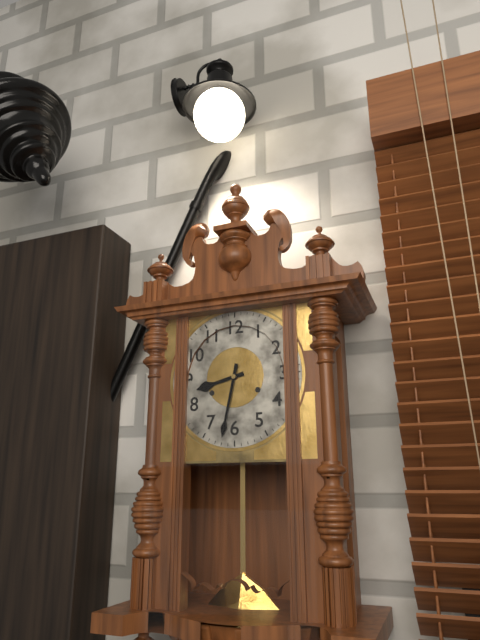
8:32
